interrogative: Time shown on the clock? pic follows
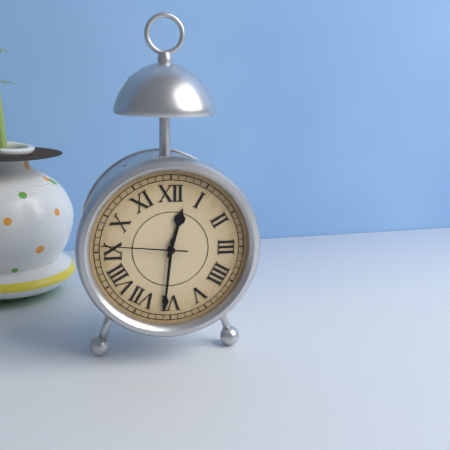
12:31:46
